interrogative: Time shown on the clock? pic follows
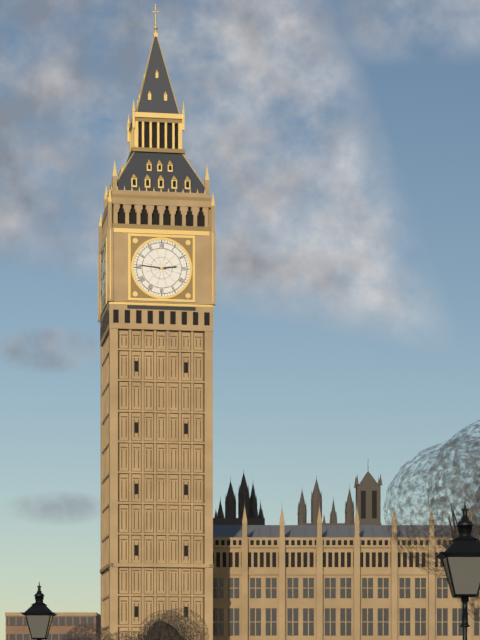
2:46
